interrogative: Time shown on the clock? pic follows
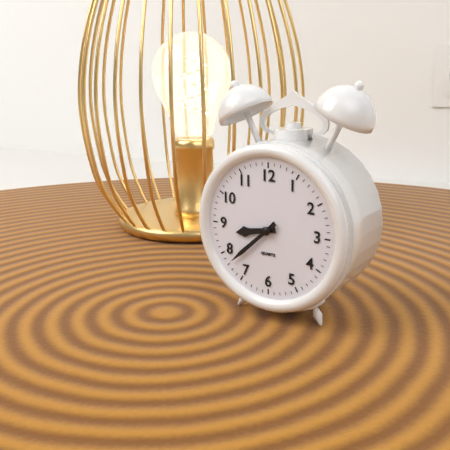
8:38
